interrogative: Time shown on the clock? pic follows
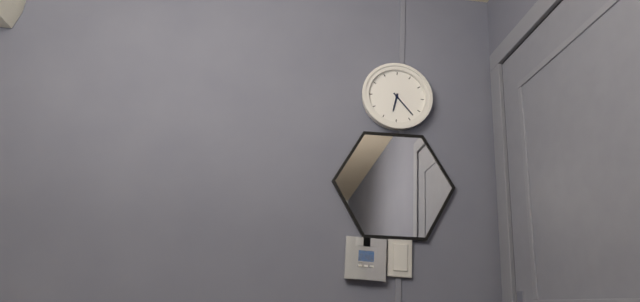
6:23
